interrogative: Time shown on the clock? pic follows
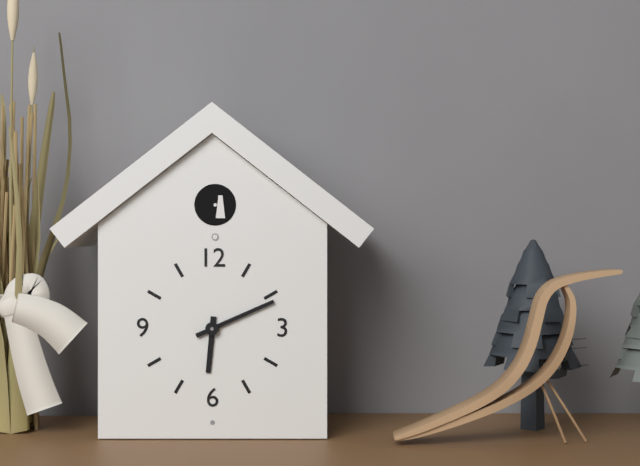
6:11
